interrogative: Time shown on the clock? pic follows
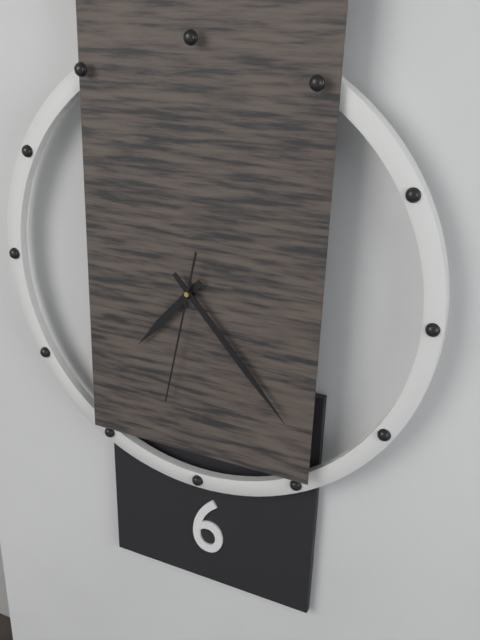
7:23:32
